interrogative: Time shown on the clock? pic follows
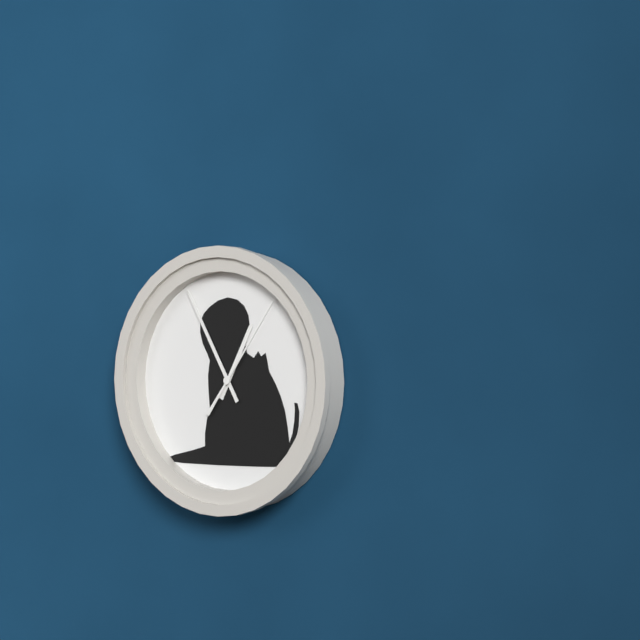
12:55:06
